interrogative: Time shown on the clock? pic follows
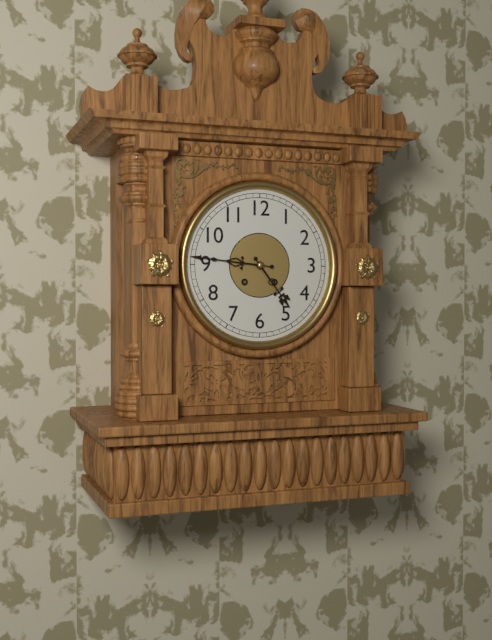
4:46
